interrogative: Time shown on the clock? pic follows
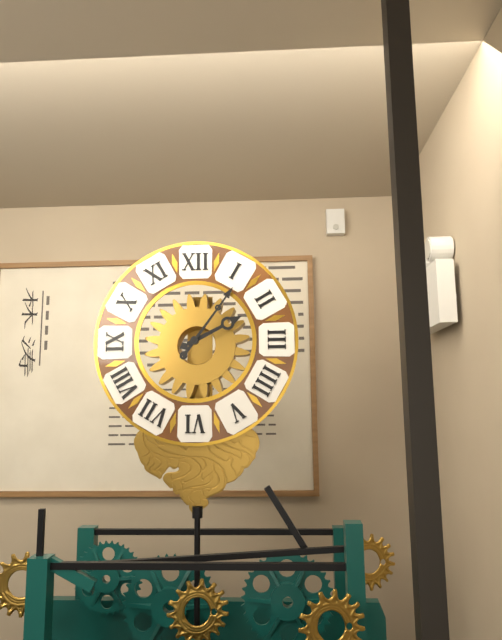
2:06
